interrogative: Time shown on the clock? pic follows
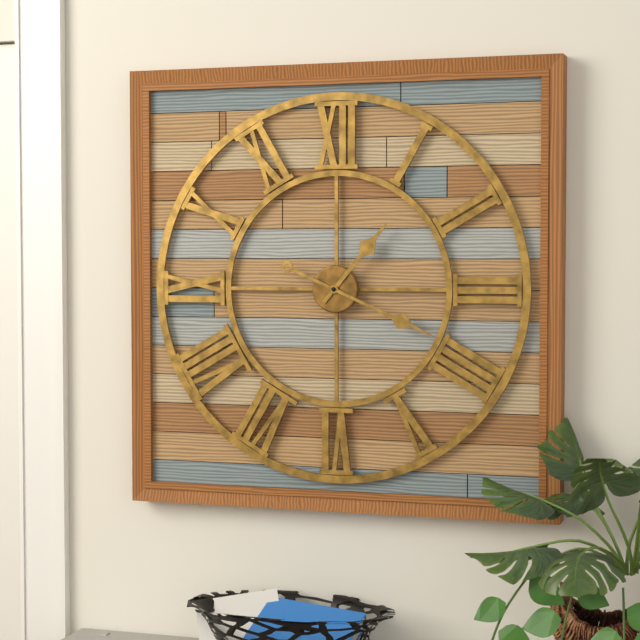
1:19
